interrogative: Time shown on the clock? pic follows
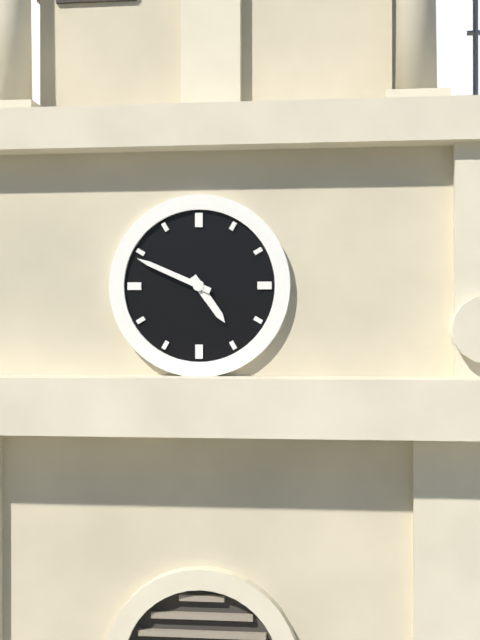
4:49
